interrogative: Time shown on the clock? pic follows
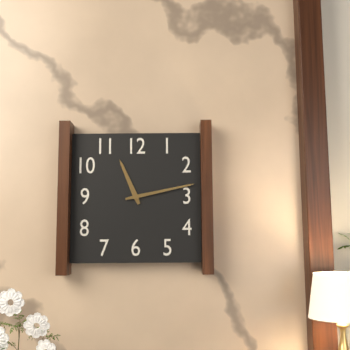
11:13
